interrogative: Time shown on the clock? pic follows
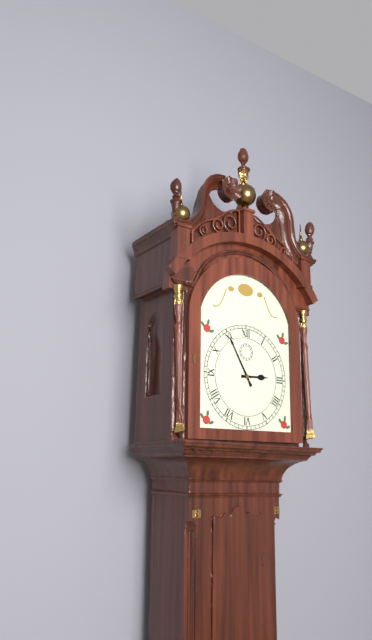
2:55
